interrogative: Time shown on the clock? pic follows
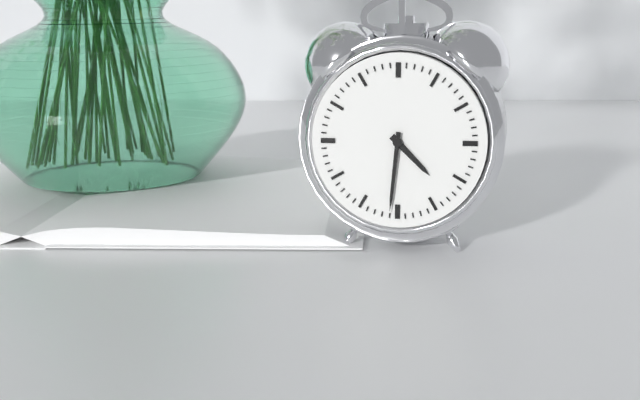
4:31
